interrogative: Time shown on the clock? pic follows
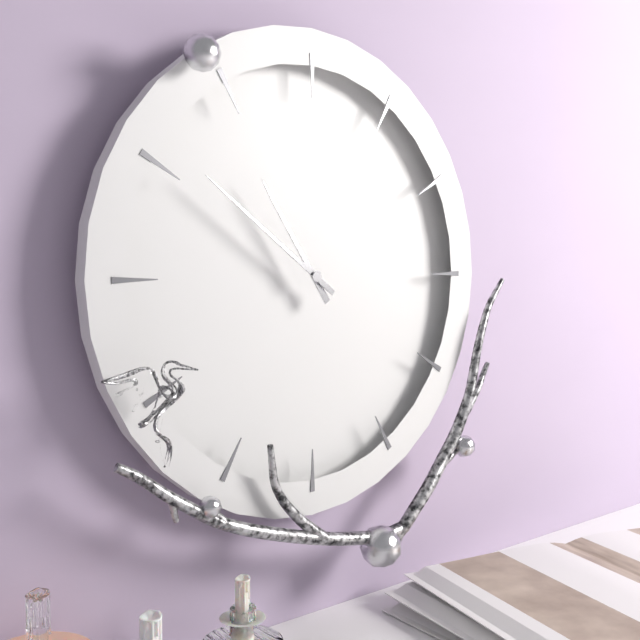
10:51
